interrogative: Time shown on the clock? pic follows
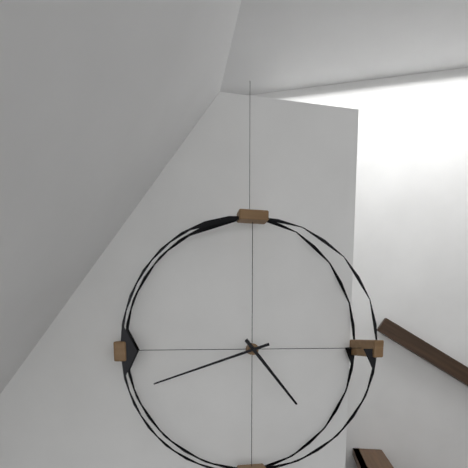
4:42
